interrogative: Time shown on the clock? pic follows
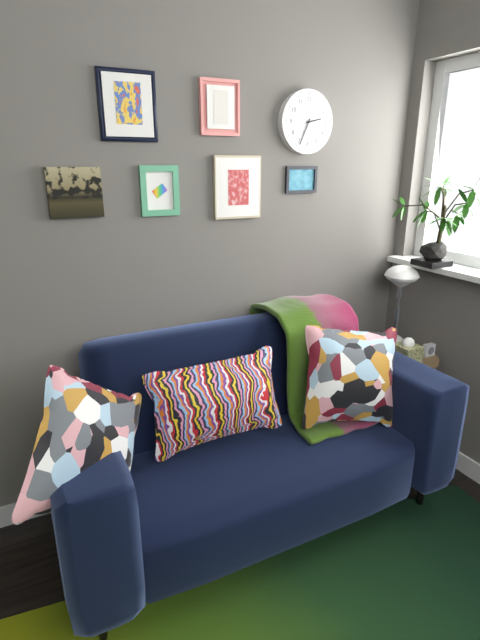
2:34
